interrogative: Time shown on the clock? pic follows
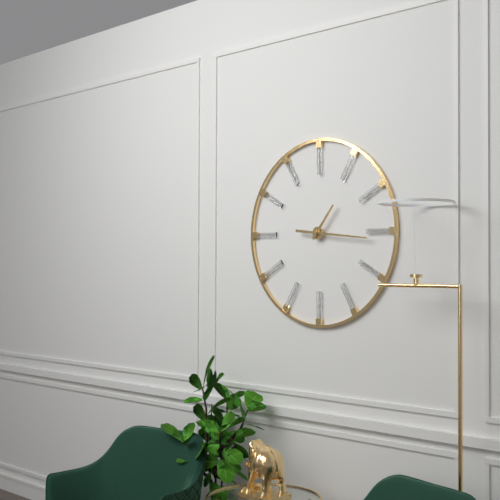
1:16
